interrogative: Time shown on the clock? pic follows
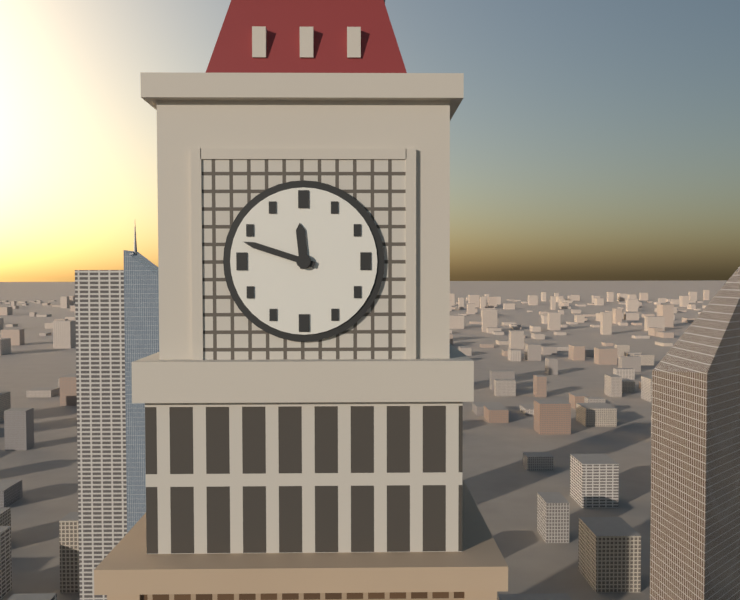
11:48
